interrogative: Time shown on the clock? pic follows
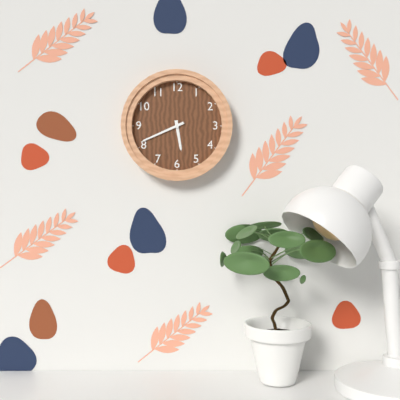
5:41
